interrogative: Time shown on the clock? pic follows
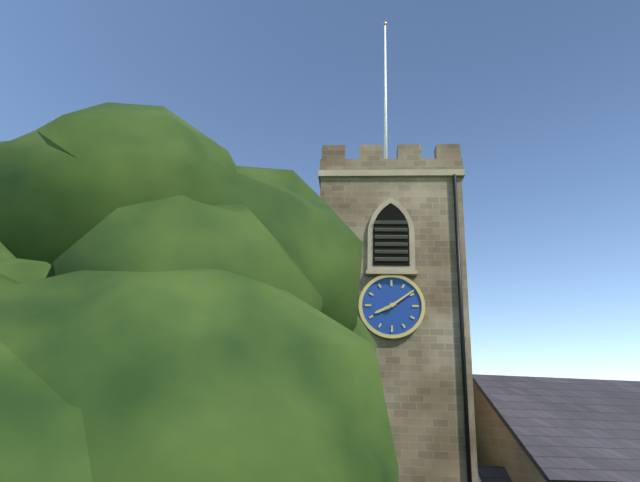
8:09
